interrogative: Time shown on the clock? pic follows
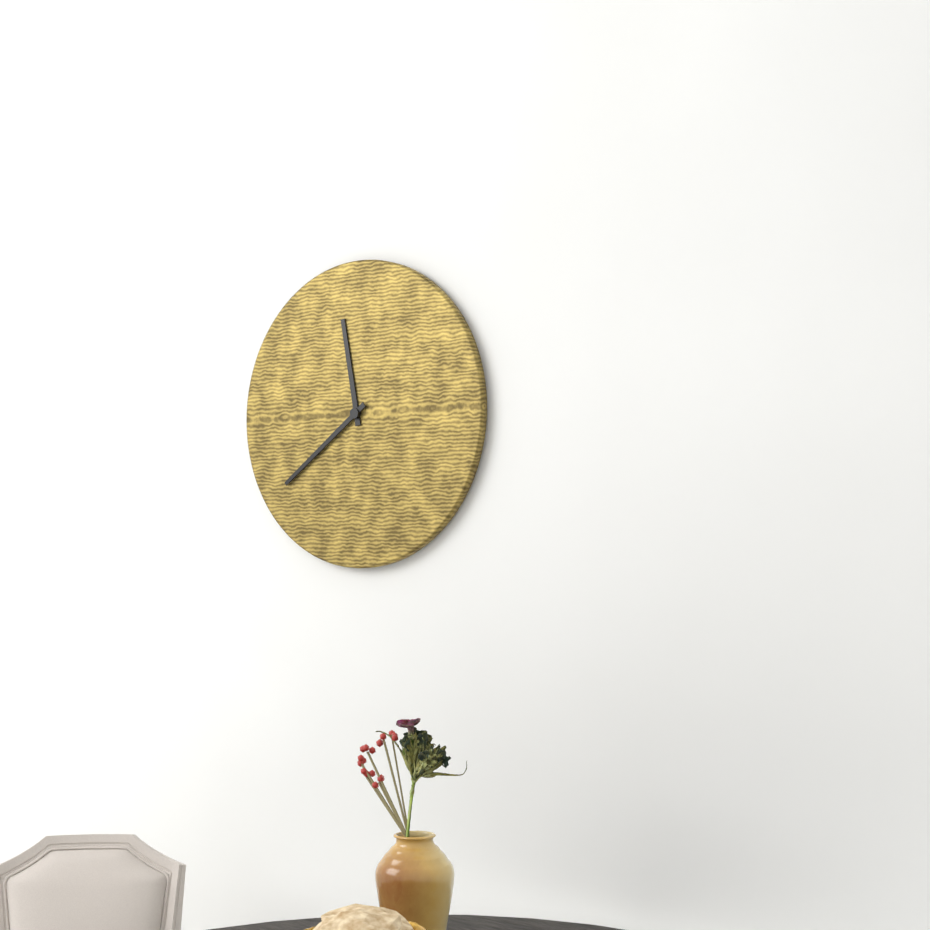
11:39
